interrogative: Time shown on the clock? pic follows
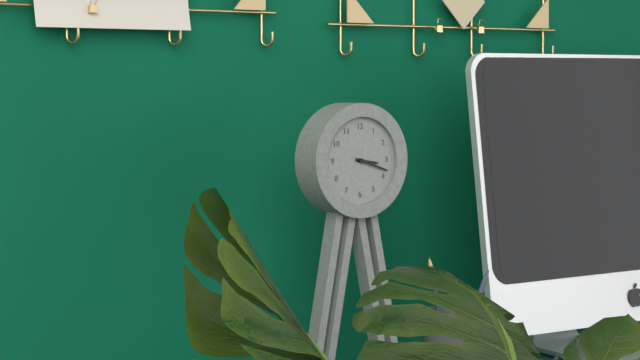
3:18
